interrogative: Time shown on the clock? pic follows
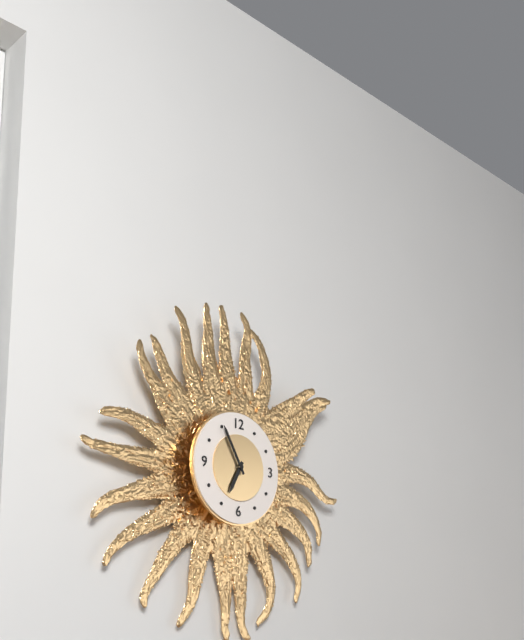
6:55
